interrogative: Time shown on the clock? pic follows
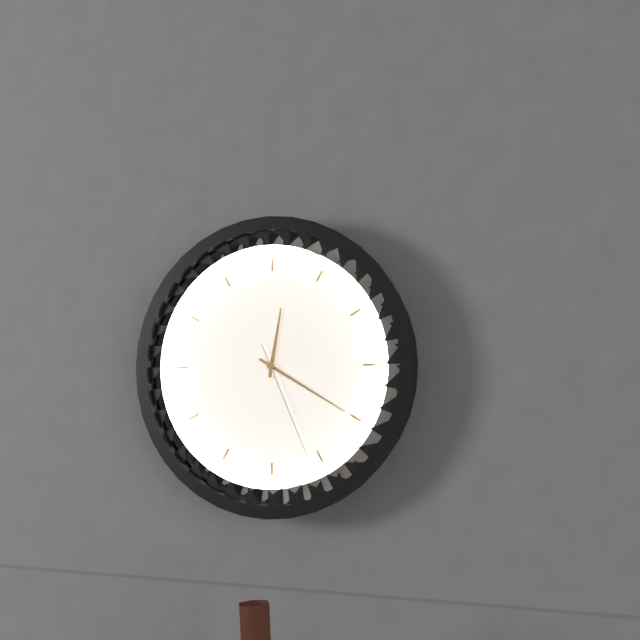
12:20:26
